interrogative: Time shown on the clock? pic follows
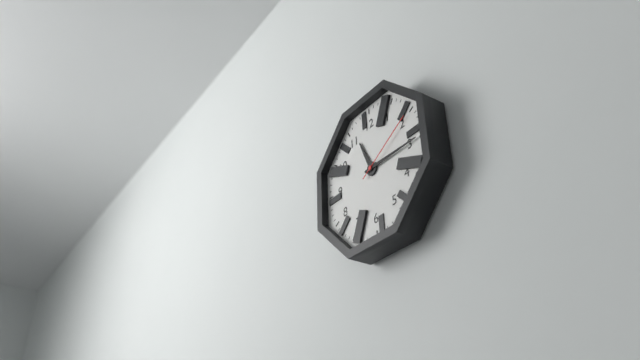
11:15:10
